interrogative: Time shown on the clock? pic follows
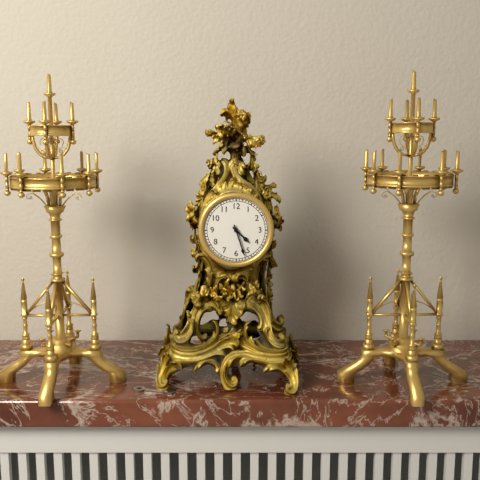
4:27
